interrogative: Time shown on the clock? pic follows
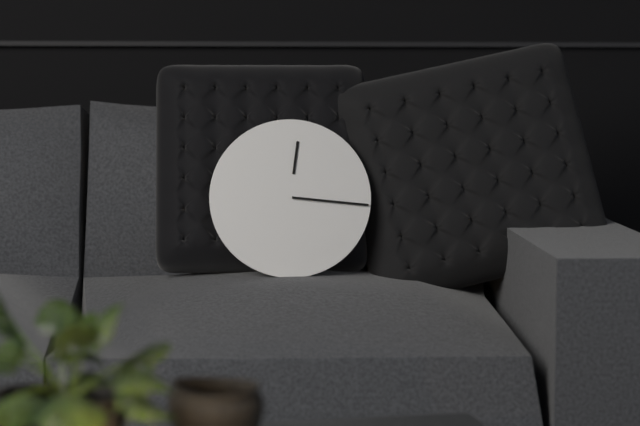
12:16
